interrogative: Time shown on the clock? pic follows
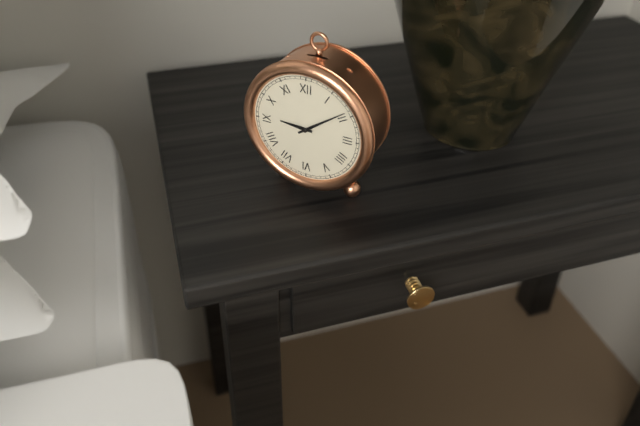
9:09
